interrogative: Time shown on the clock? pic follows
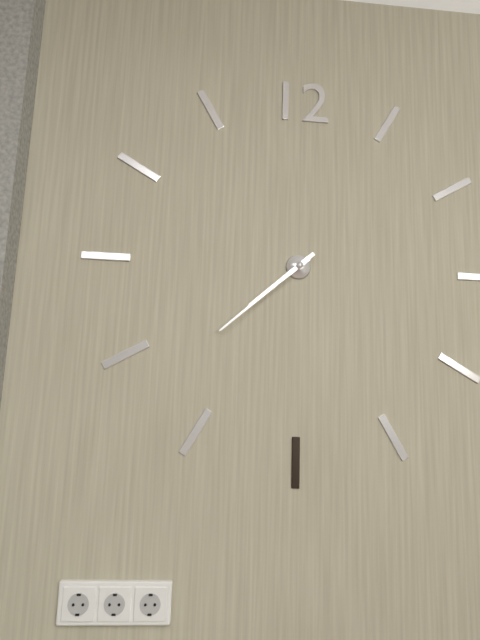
7:38
